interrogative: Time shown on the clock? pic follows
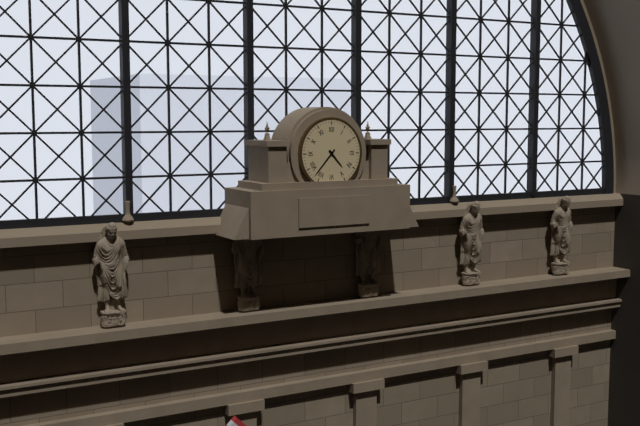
4:37
